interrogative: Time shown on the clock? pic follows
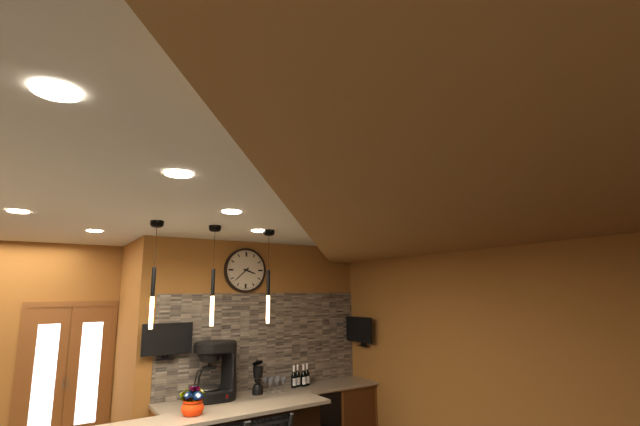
3:38
